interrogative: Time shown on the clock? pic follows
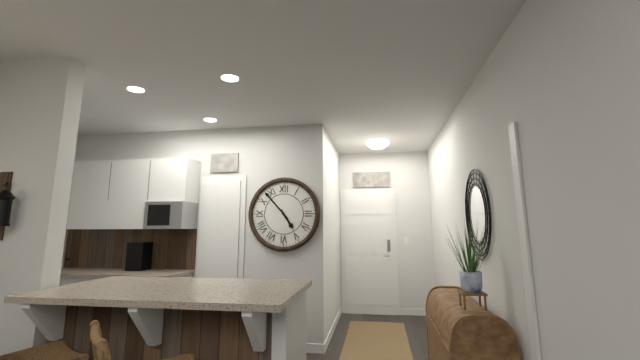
4:53
